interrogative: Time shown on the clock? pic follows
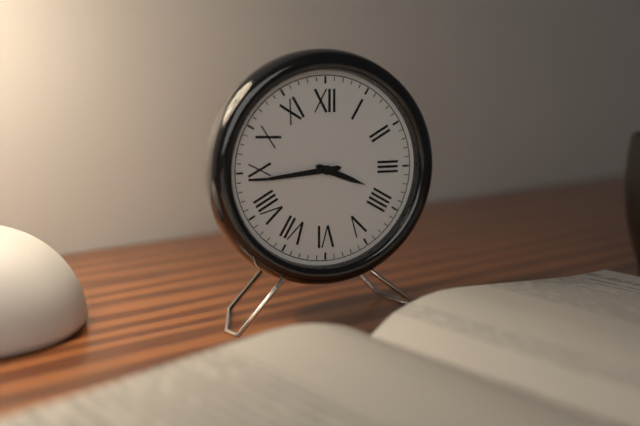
3:44
